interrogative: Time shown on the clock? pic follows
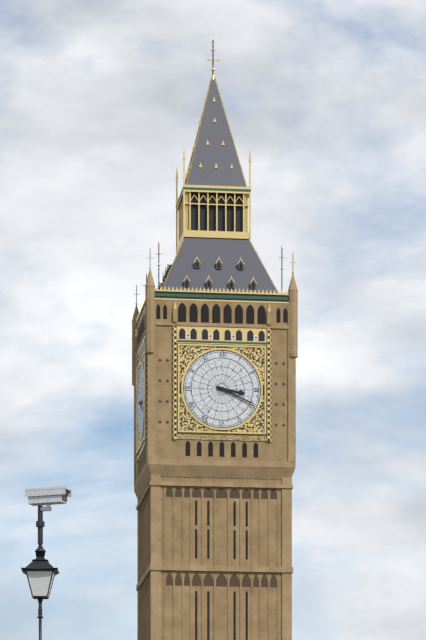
3:19
